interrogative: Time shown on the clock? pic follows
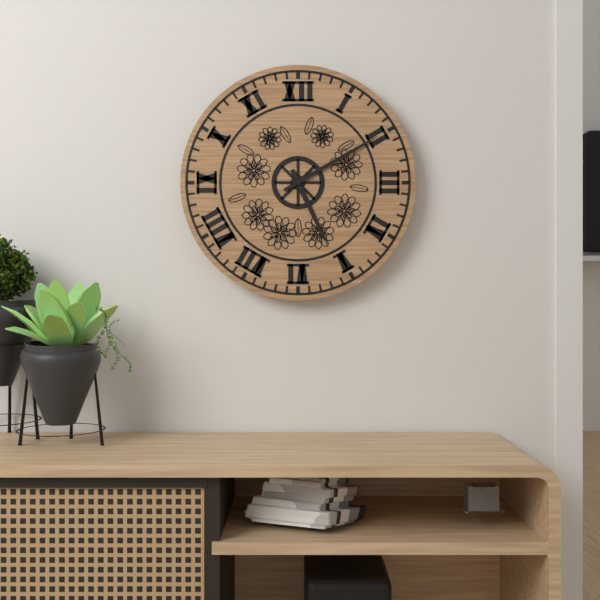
5:10
